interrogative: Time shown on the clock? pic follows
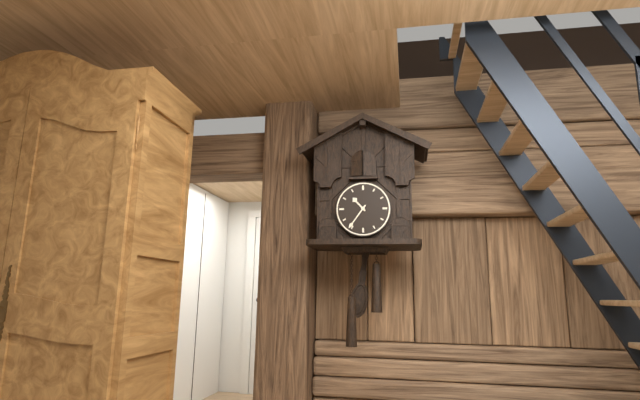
10:36
